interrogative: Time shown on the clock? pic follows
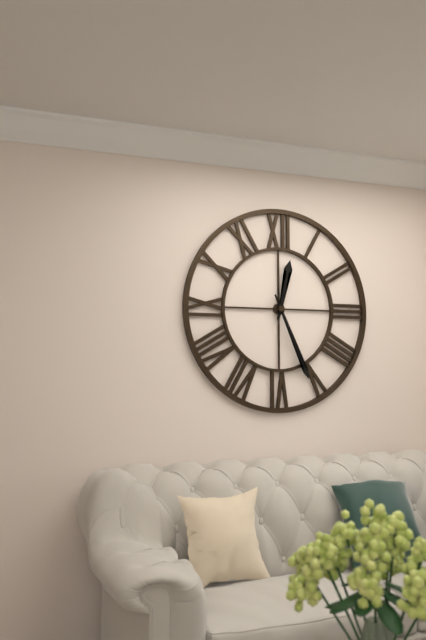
12:26
